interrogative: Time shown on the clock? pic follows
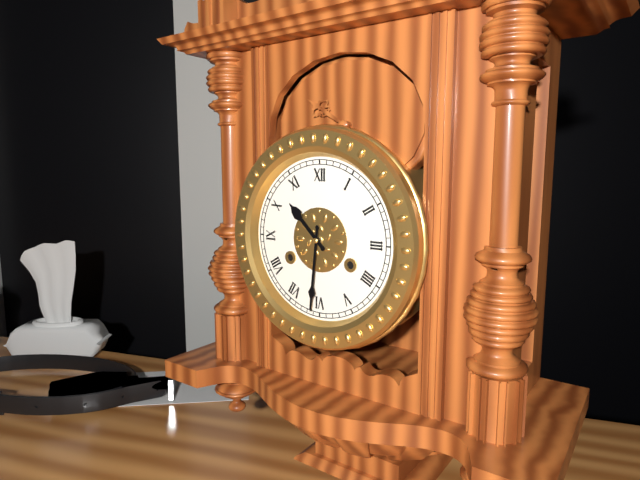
10:31
